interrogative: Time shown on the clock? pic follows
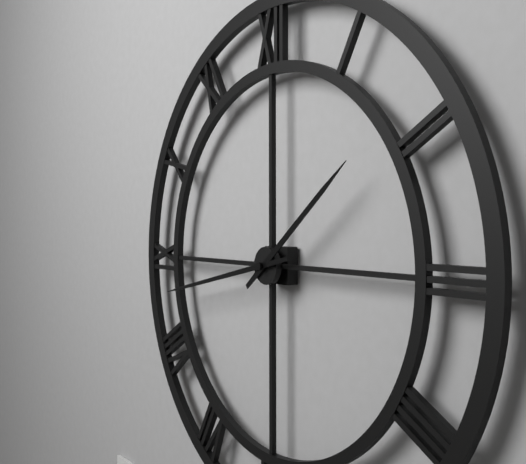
1:43
